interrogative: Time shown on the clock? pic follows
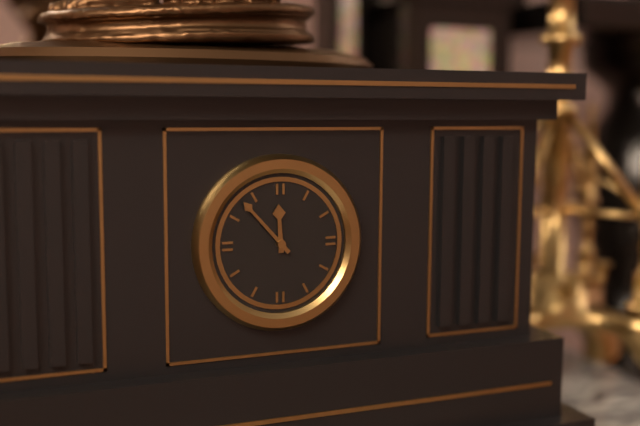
11:53
